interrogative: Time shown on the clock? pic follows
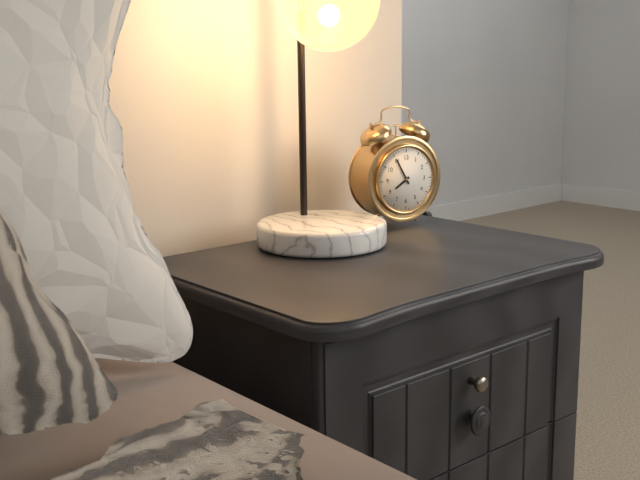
7:55
